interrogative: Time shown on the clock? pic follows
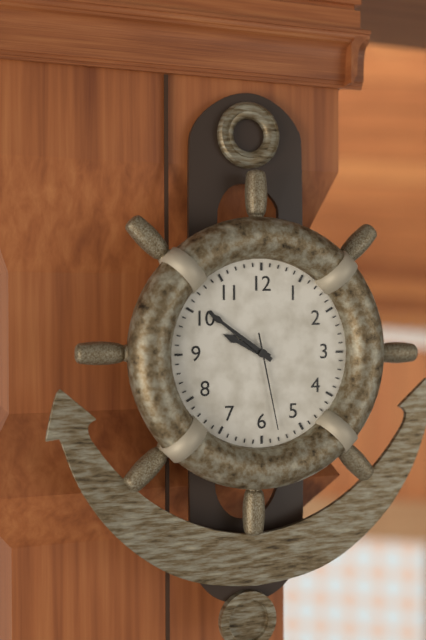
9:51:28
